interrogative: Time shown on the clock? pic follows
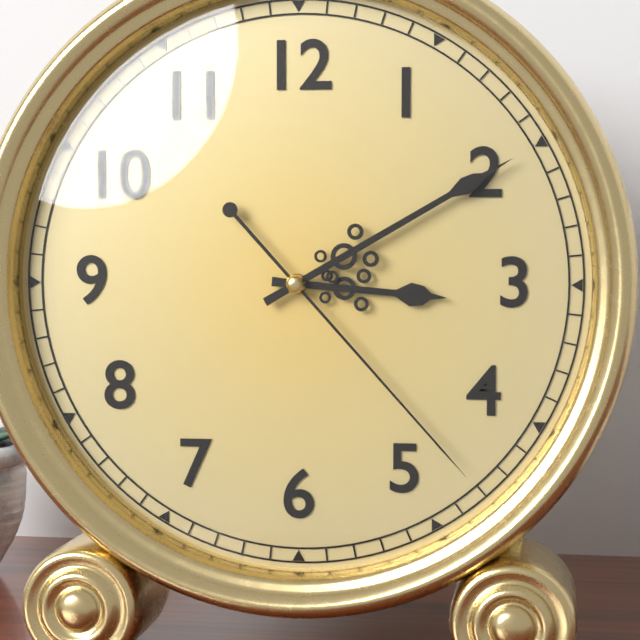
3:10:23
